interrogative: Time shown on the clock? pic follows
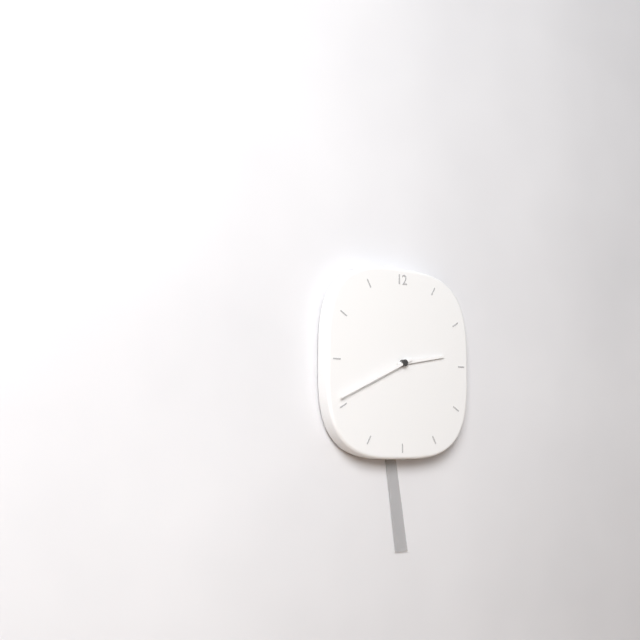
2:41
